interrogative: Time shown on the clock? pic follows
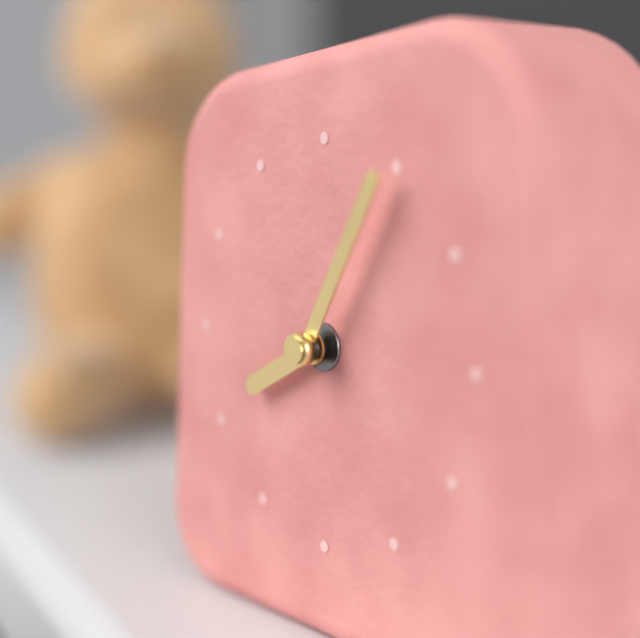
8:05
